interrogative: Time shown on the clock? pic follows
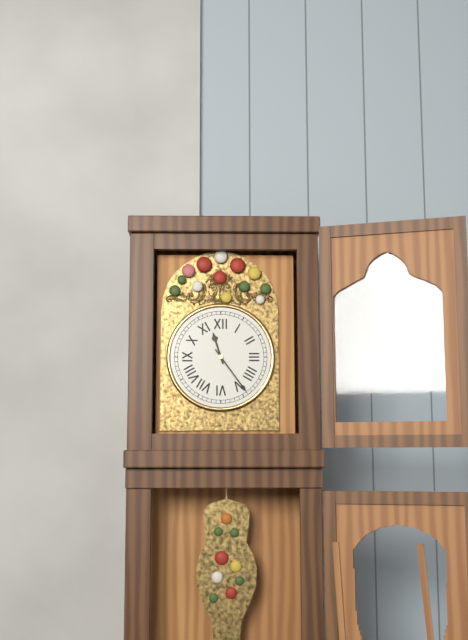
11:24
